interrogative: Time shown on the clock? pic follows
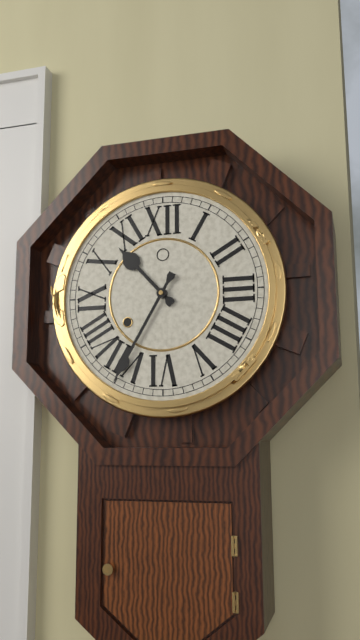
10:35
